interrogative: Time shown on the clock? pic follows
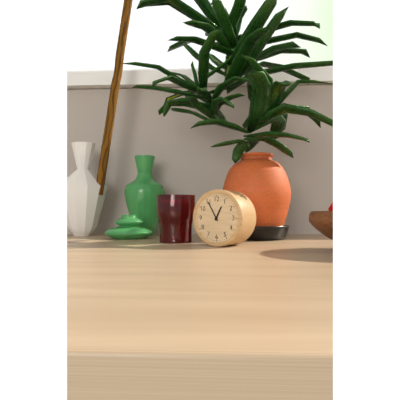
12:55
